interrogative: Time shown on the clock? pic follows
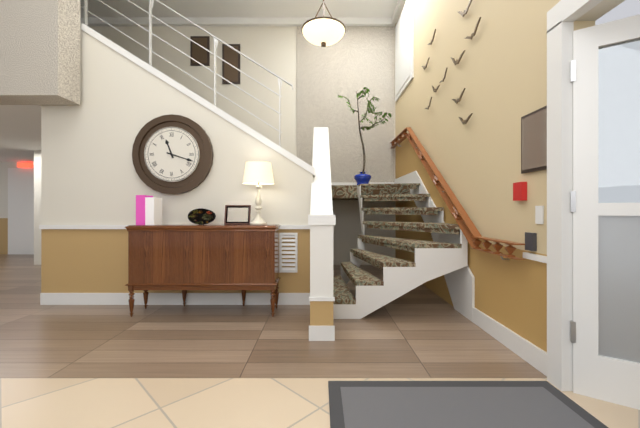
11:18
